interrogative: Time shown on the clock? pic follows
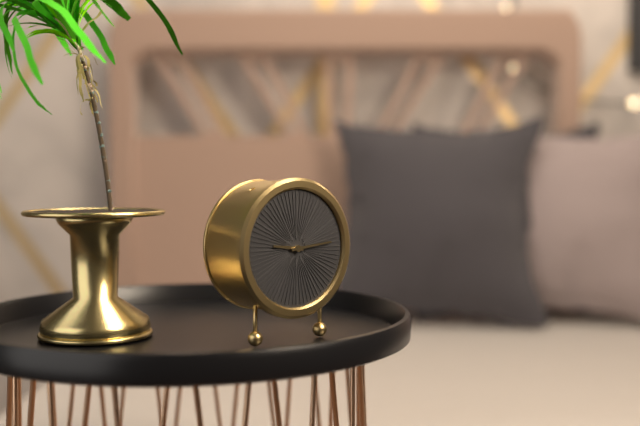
9:14
